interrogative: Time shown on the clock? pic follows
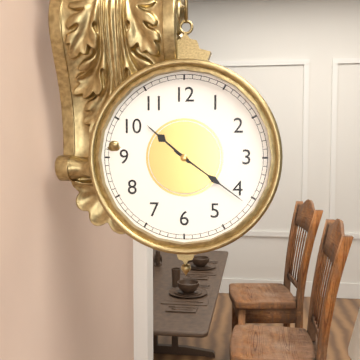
10:21
